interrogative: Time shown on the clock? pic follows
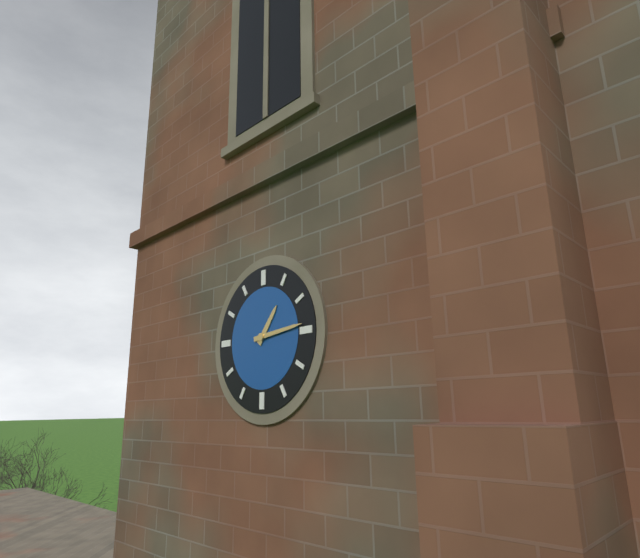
1:14
